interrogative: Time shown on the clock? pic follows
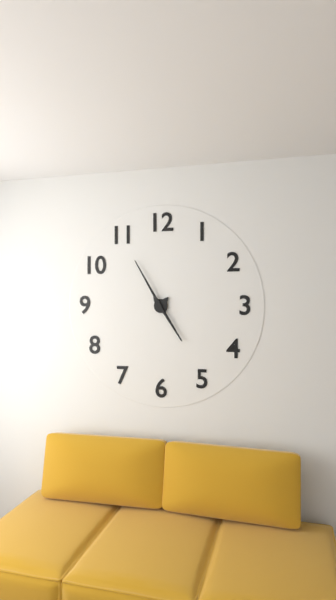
4:55
